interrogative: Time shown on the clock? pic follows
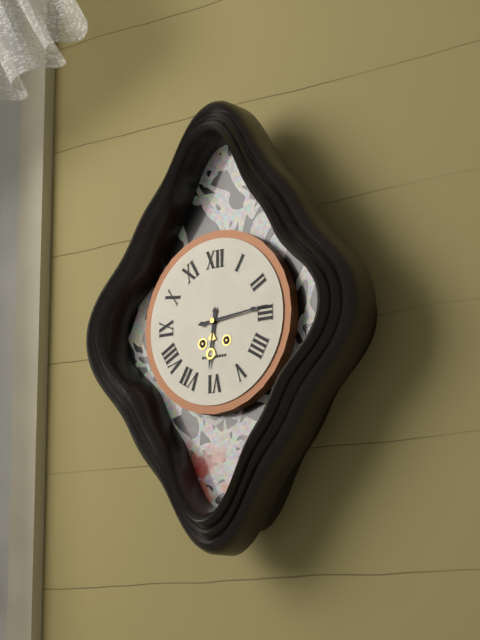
6:14
